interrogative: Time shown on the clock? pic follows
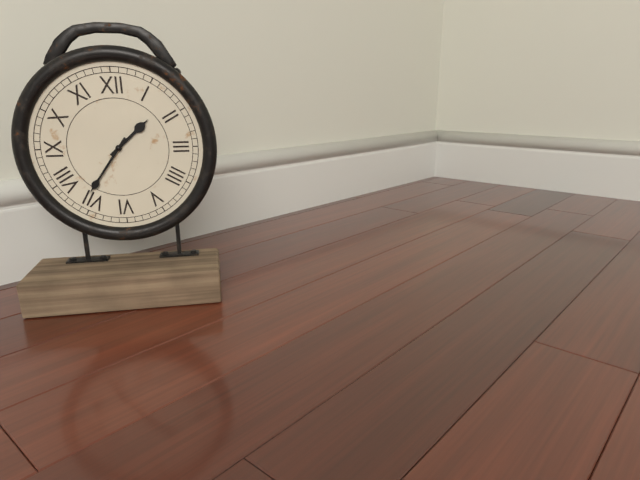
1:36
